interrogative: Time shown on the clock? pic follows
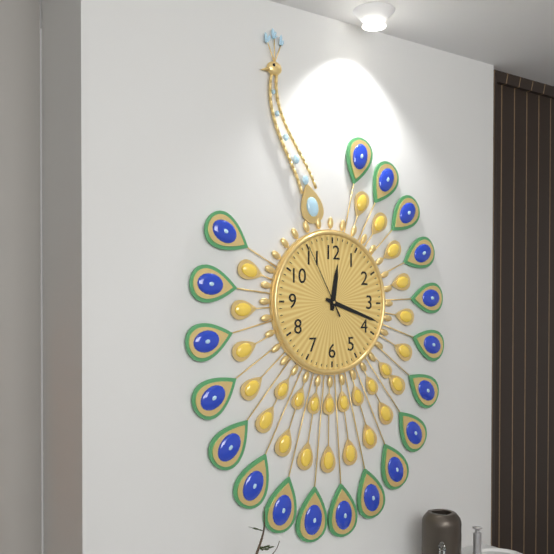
12:18:55
